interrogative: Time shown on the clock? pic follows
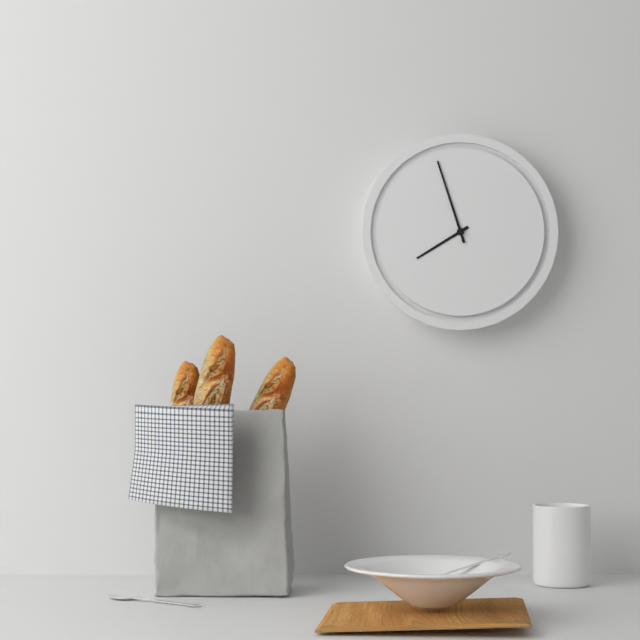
7:57
